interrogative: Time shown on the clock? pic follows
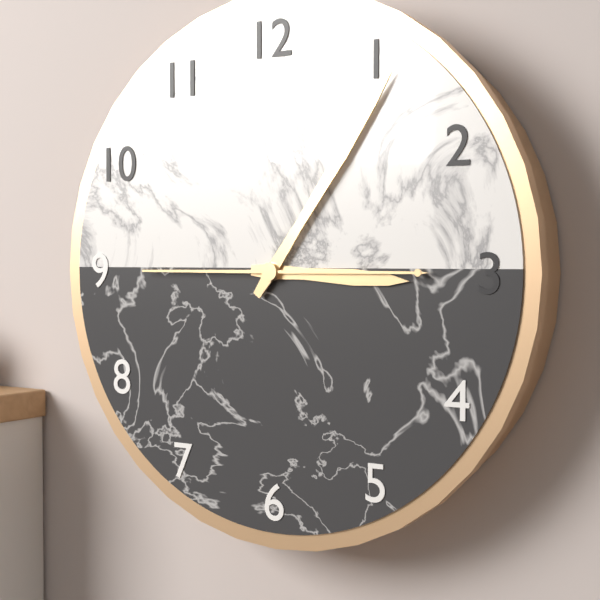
3:06:15
